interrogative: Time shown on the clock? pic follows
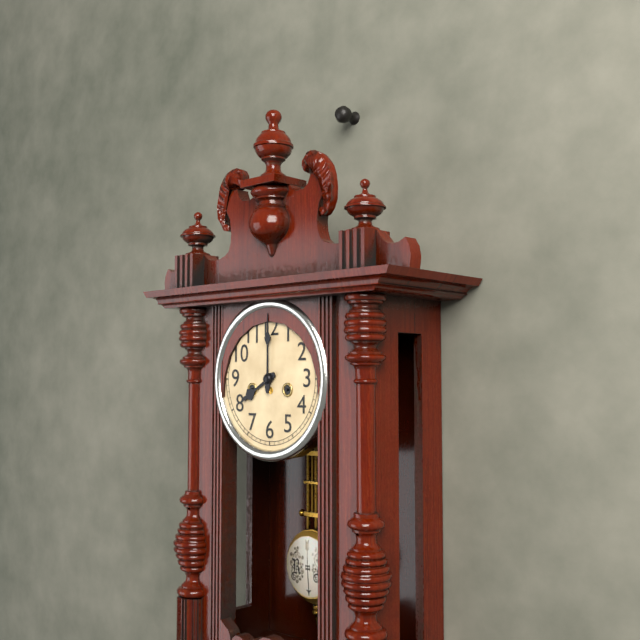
8:00
